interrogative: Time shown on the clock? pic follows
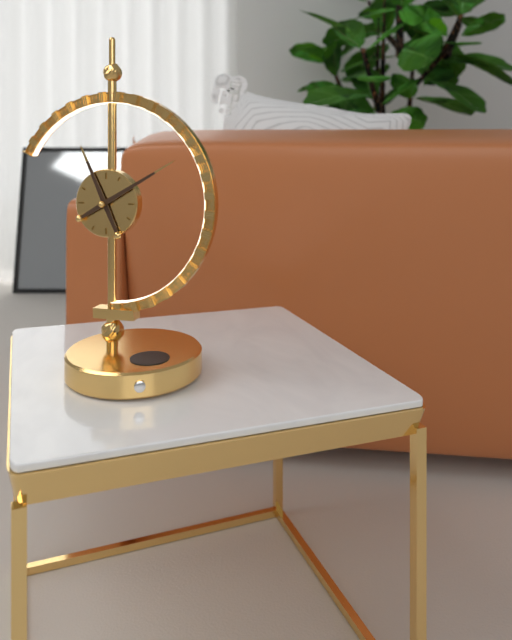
11:10
